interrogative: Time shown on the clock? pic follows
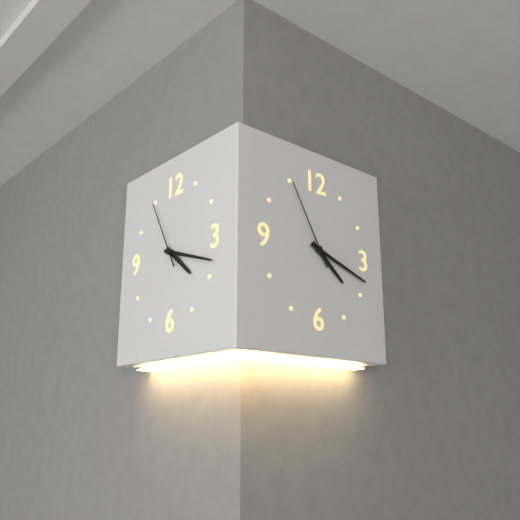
4:18:55
